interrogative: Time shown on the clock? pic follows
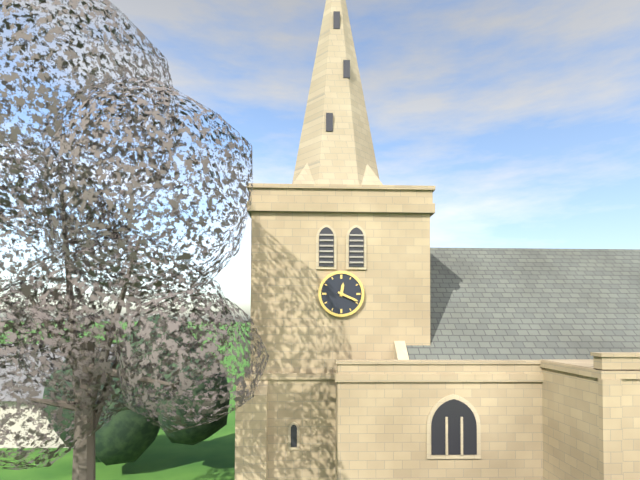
12:19
